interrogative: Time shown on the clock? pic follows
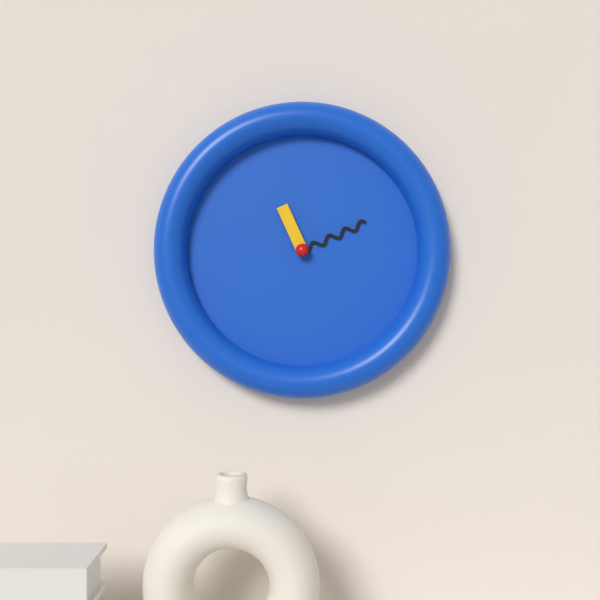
11:11
